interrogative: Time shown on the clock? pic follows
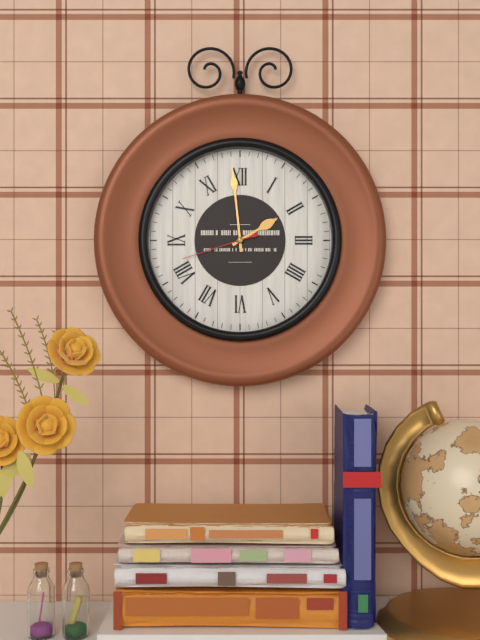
1:59:42
